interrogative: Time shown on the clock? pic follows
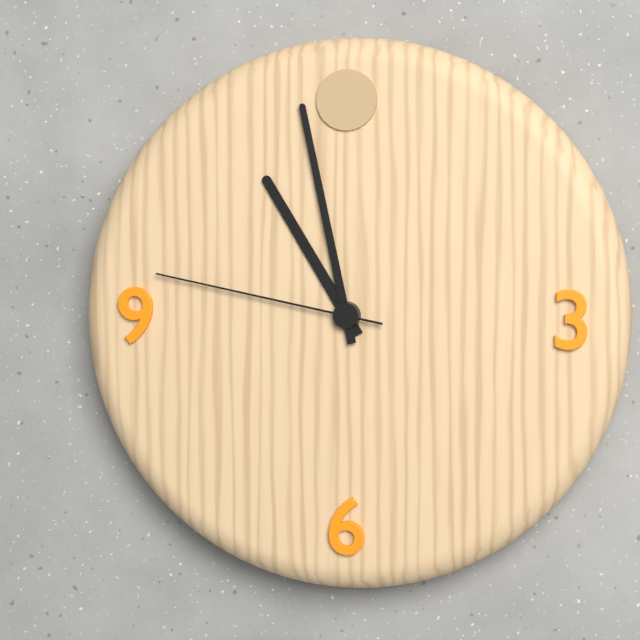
10:58:47
